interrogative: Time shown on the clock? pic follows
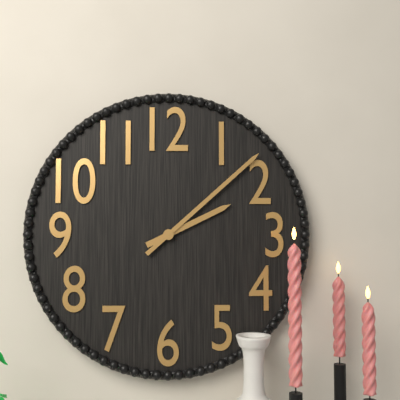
2:08
